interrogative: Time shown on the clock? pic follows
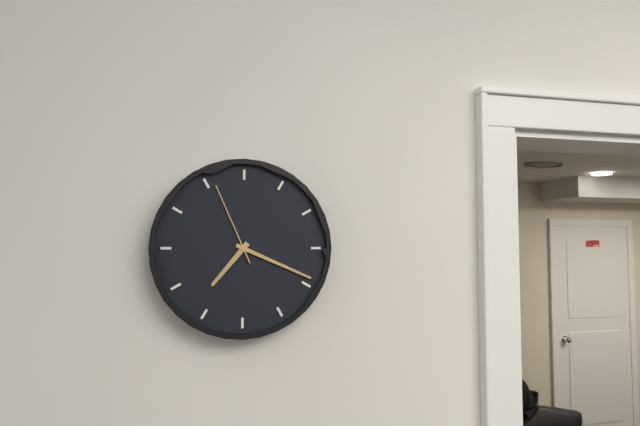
7:19:56
